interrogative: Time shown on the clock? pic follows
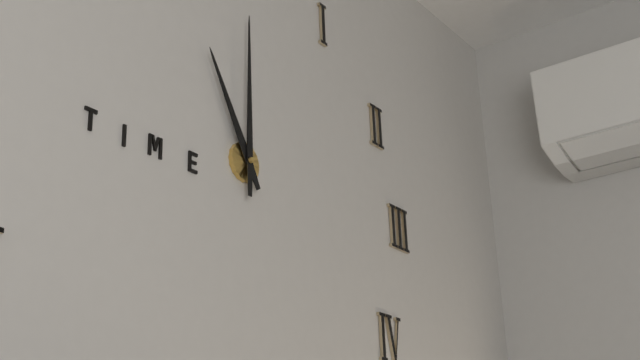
11:00
